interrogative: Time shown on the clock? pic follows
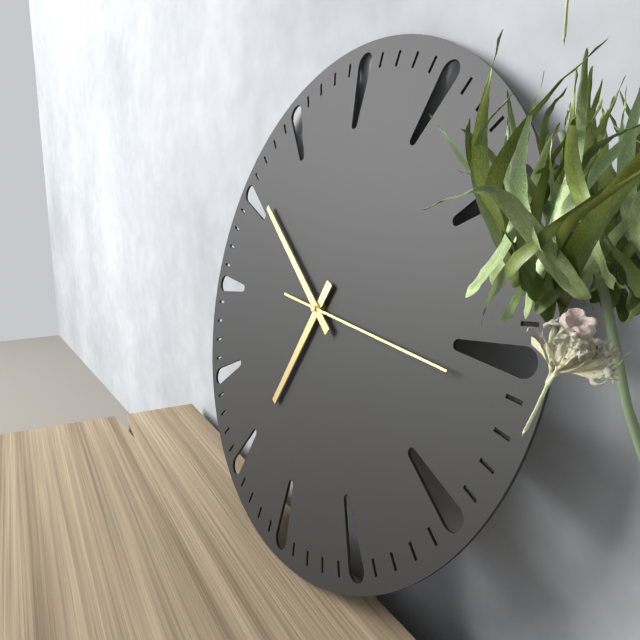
6:51:16
